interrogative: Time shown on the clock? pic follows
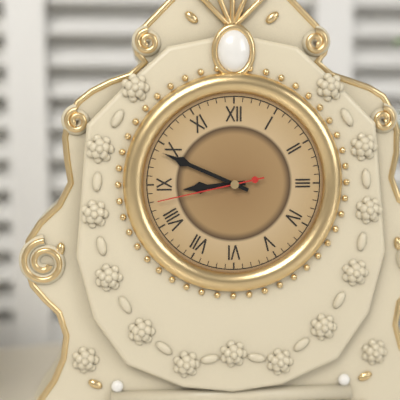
8:49:43
